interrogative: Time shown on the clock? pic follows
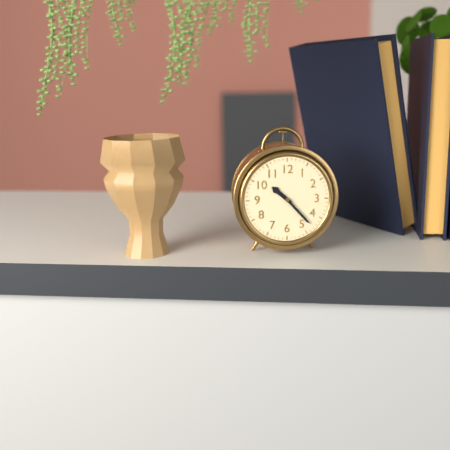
10:23
